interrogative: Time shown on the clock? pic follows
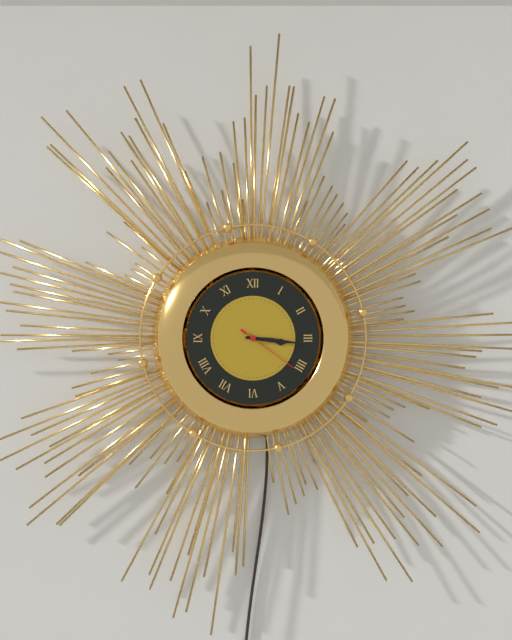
3:16:21
